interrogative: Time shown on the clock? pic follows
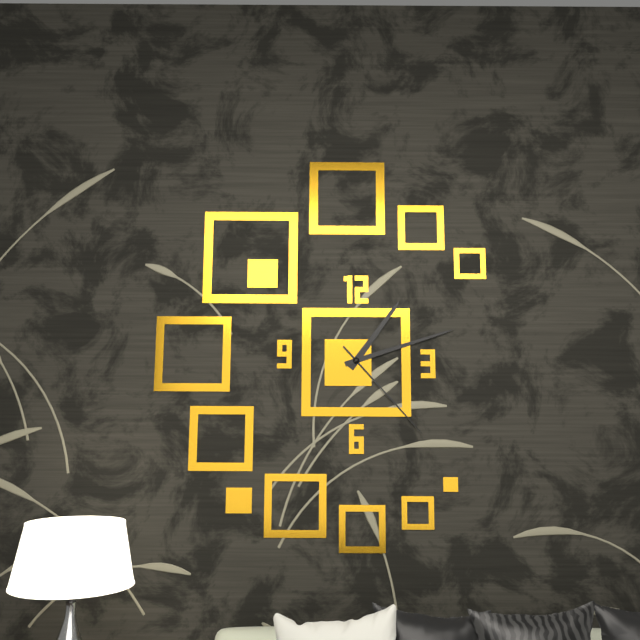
1:12:23
